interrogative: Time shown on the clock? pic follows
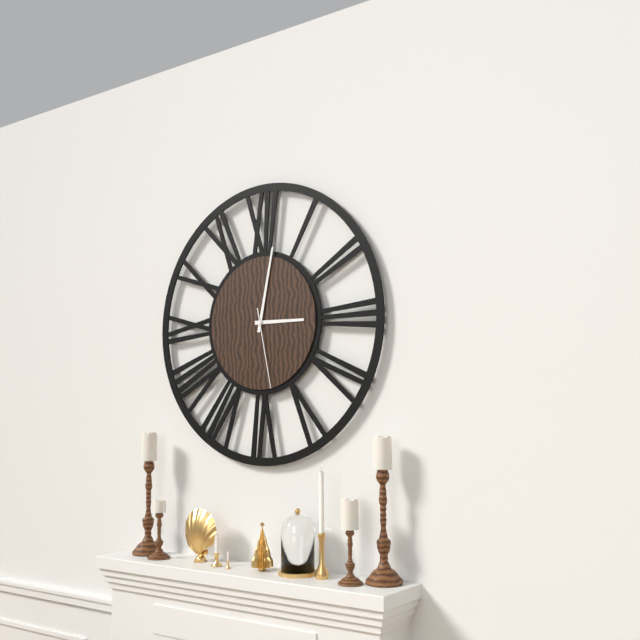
3:02:28
